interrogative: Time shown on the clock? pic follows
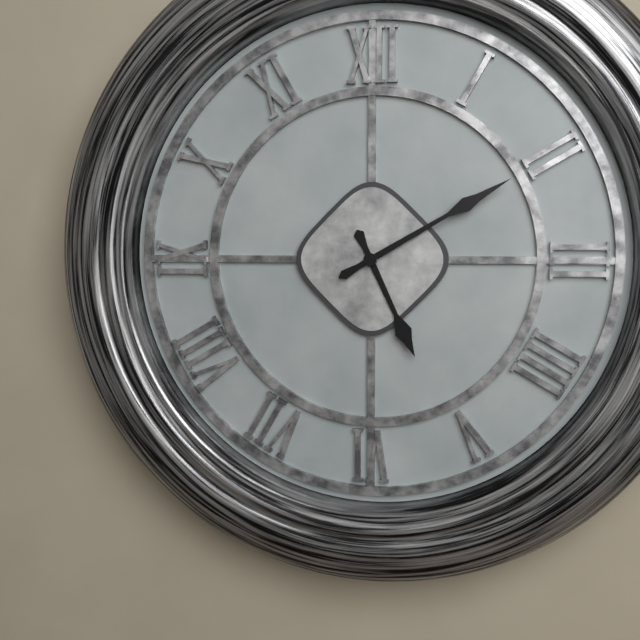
5:10
